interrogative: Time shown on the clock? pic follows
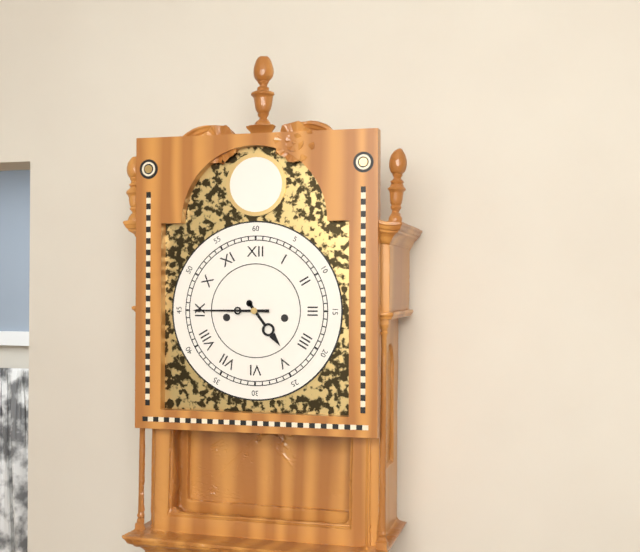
4:45
